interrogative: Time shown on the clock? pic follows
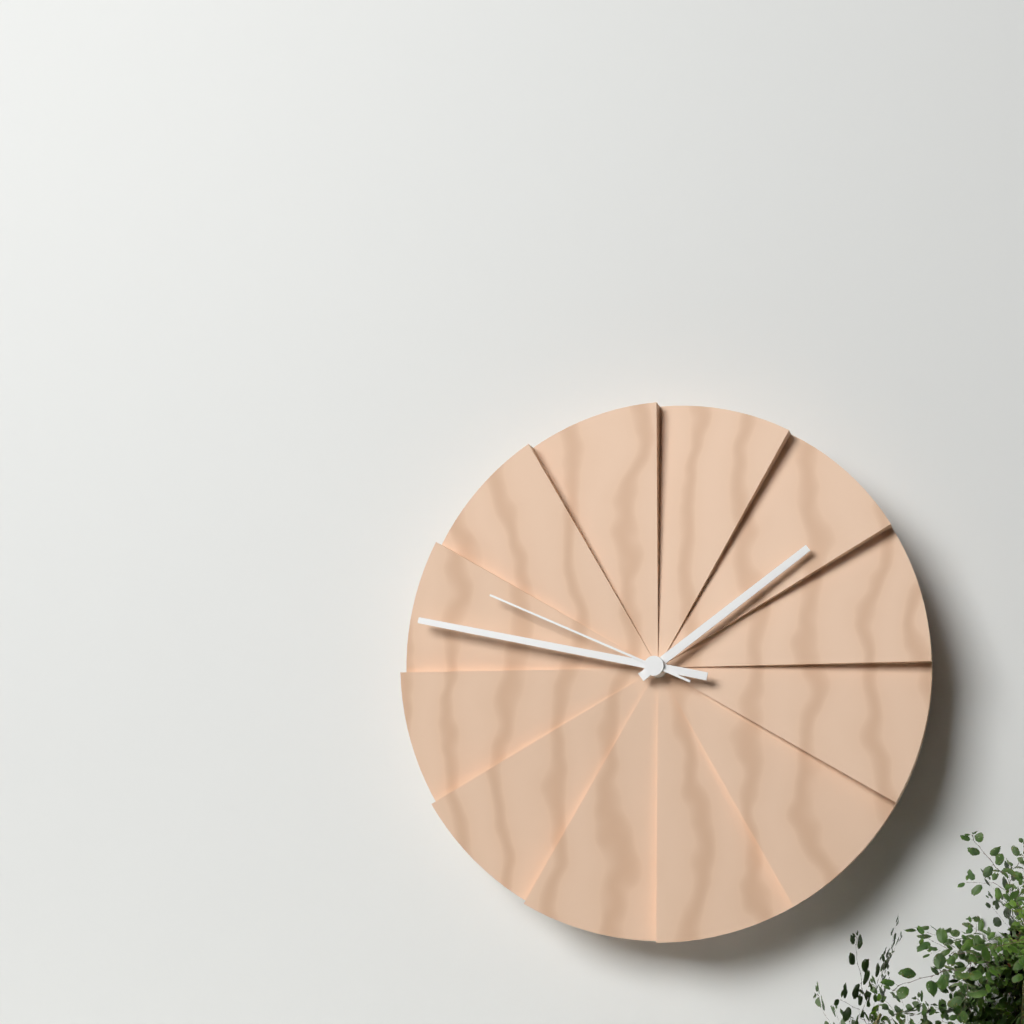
1:47:49
